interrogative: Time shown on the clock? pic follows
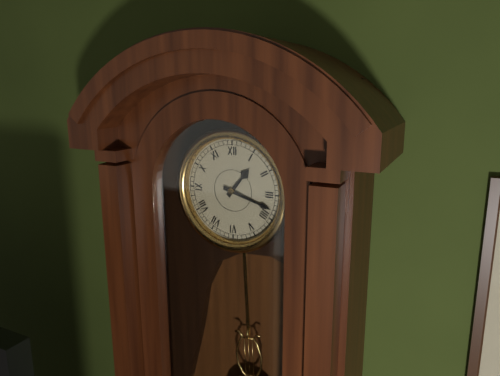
1:18
